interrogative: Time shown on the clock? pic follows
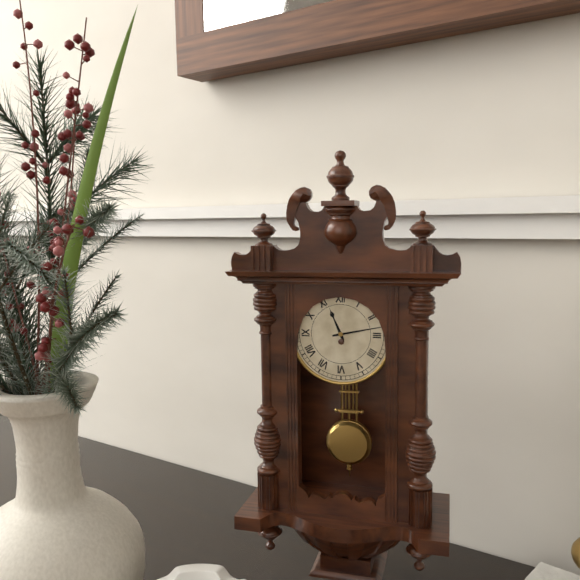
11:13
